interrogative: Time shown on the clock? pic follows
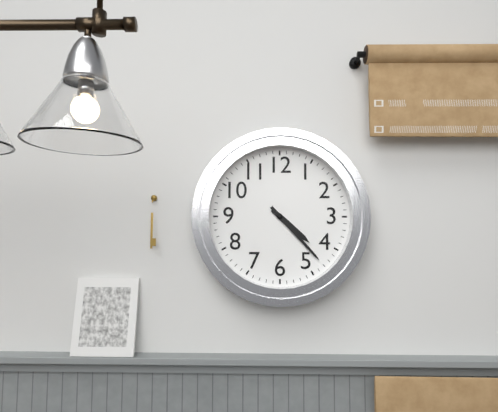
4:23
